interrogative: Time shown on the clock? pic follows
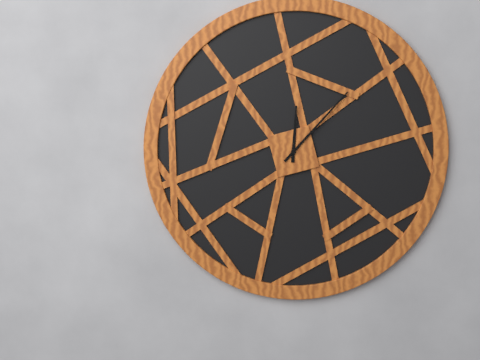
12:07
